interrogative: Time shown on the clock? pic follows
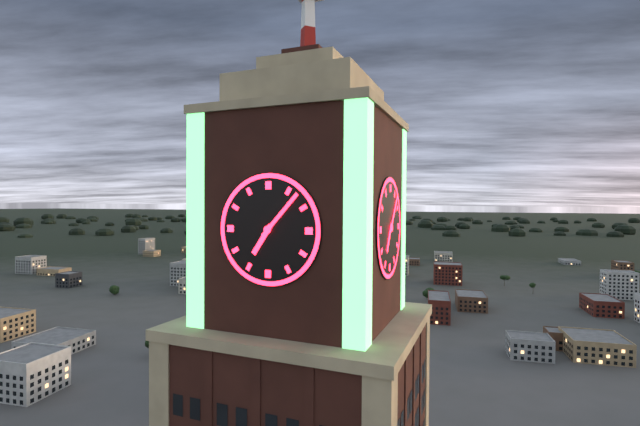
7:07
